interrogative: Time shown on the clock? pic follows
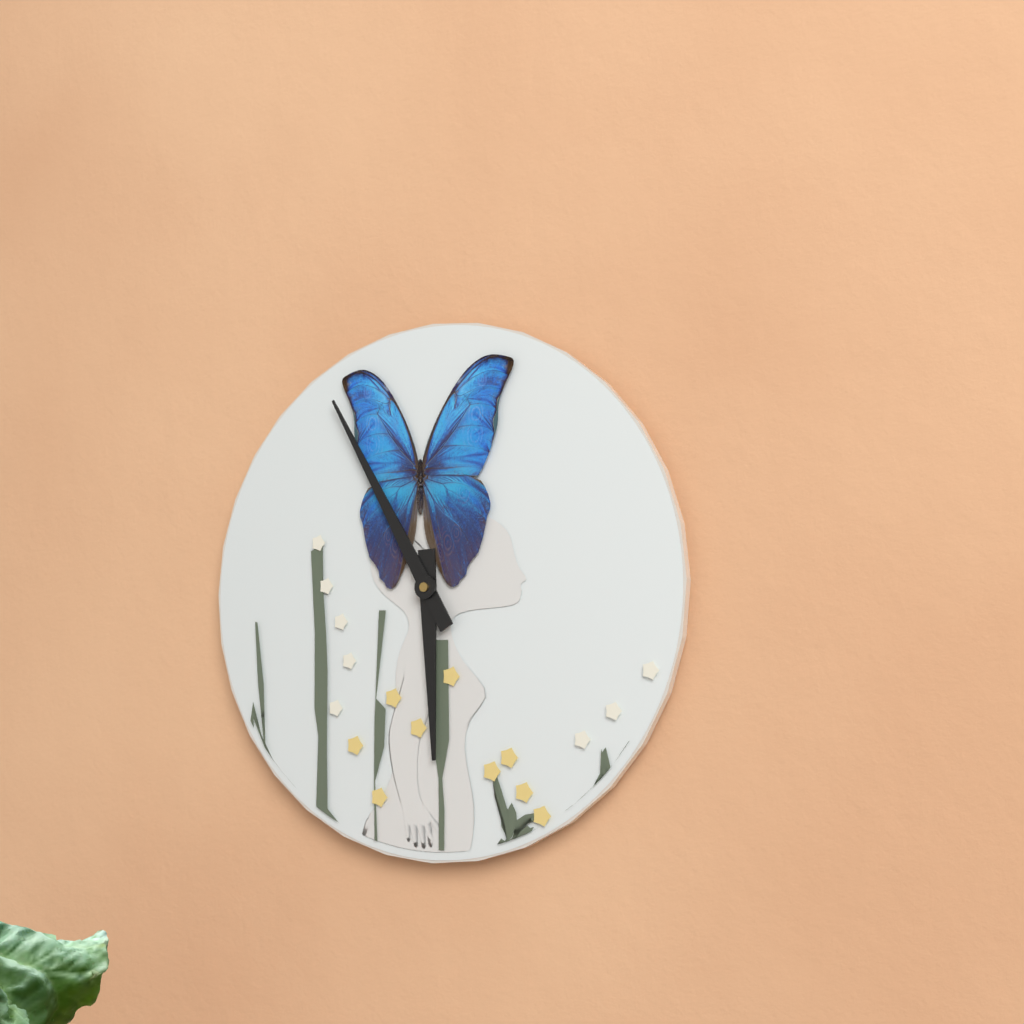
5:55
